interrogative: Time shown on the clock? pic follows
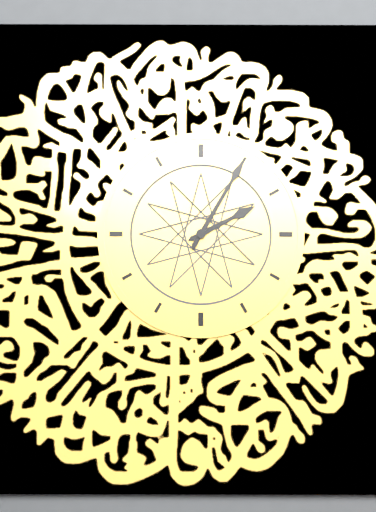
2:05
